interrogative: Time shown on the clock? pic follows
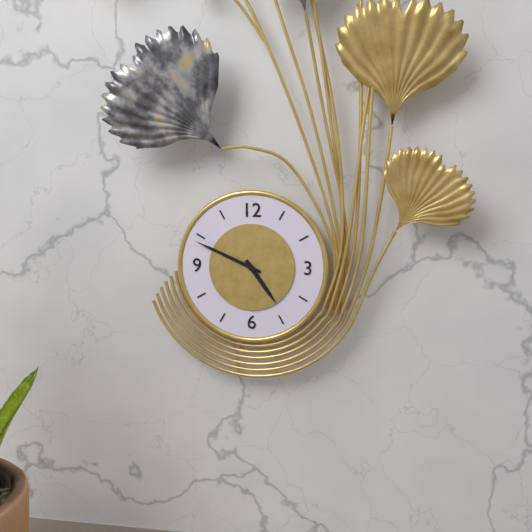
4:49
